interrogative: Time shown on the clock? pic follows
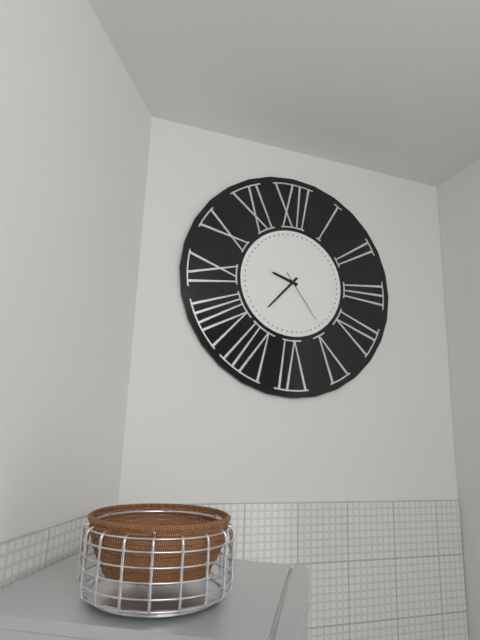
9:37:24
